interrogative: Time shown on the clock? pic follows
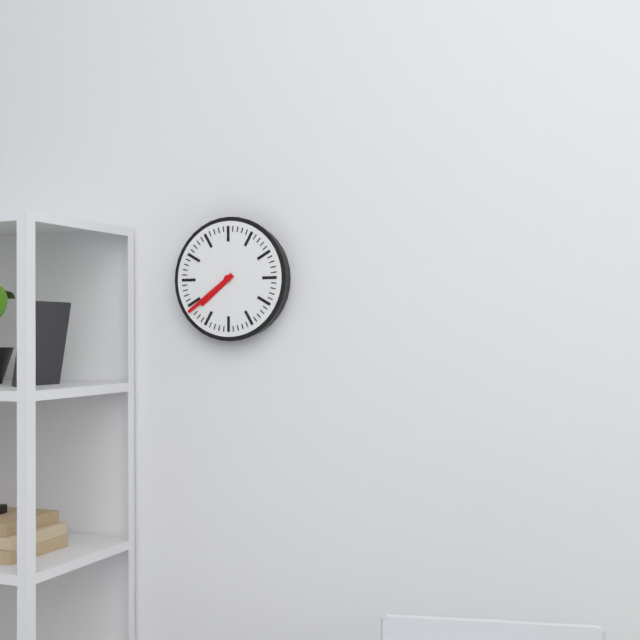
7:39
